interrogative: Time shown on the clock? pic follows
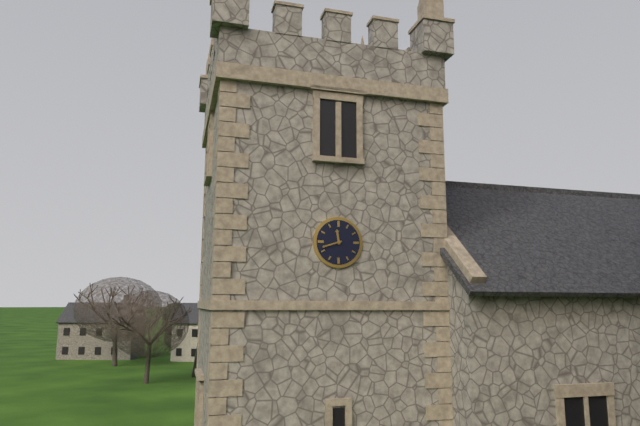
11:42
